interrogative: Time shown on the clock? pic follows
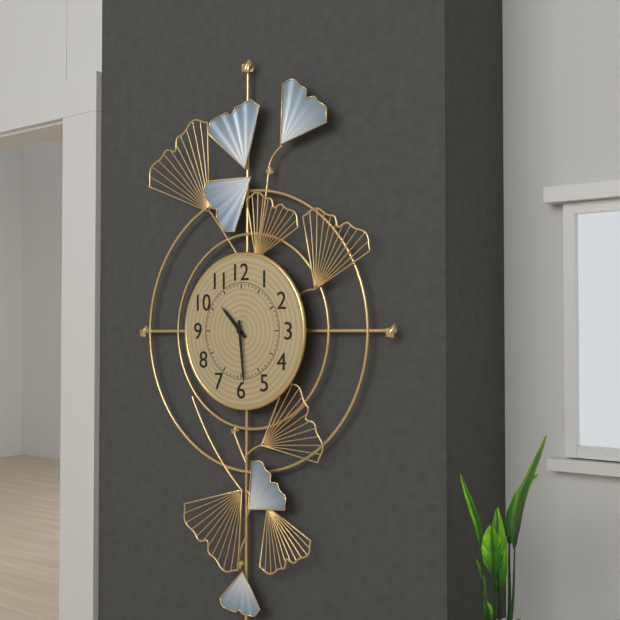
10:29
